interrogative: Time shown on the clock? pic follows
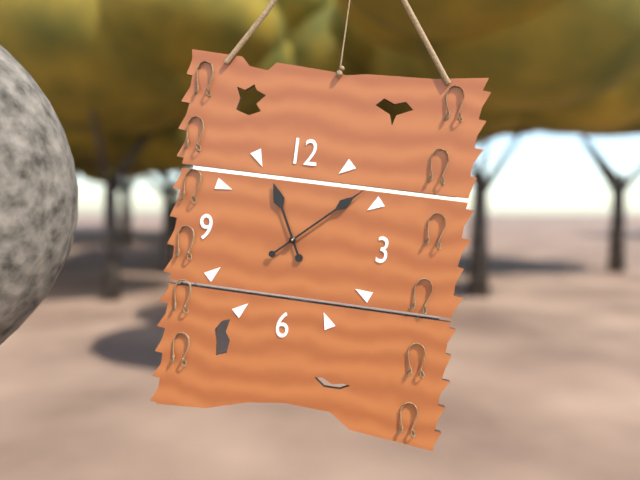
11:08
